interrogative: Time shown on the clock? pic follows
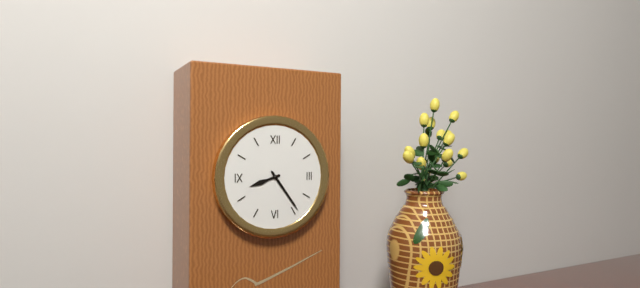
8:24
